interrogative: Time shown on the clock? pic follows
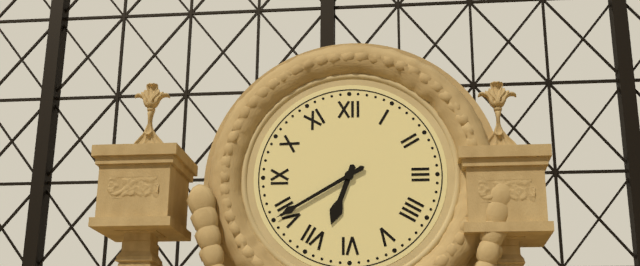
6:40
